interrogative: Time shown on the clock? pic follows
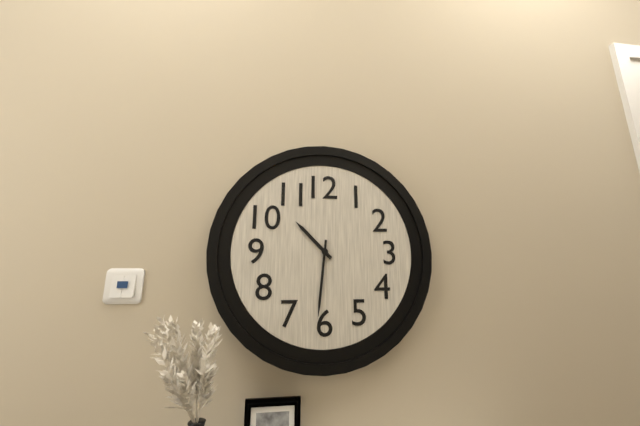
10:31
